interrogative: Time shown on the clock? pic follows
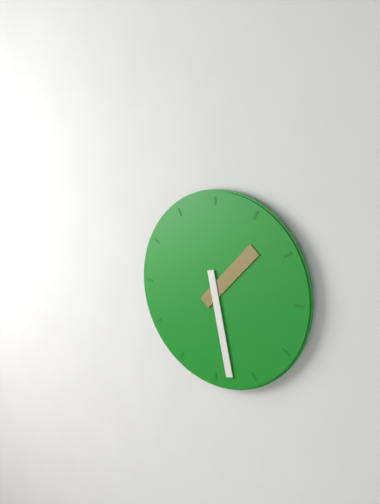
1:28
